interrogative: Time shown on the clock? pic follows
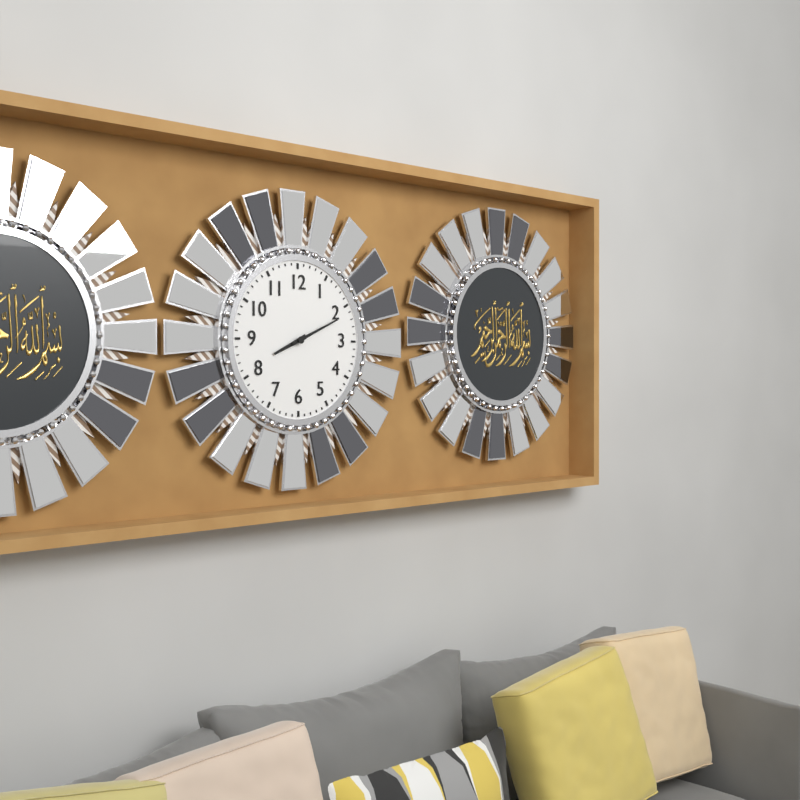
8:11
